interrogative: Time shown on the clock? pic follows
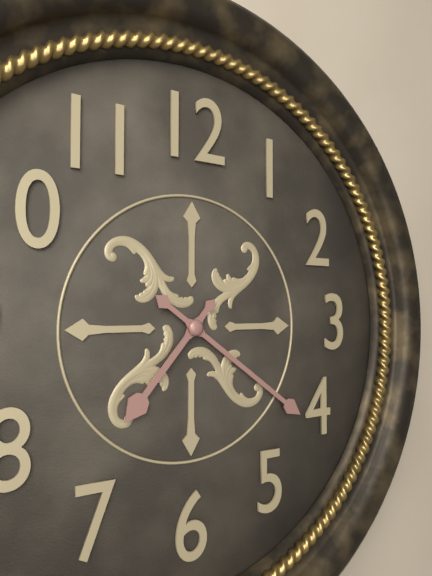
7:21
